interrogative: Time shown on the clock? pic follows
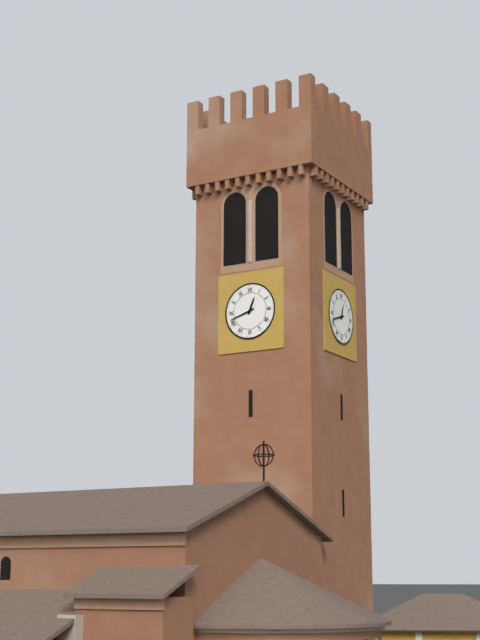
12:42
